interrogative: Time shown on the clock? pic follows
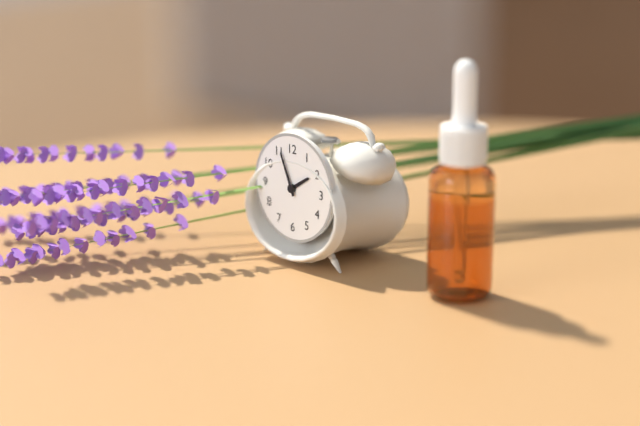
1:56
